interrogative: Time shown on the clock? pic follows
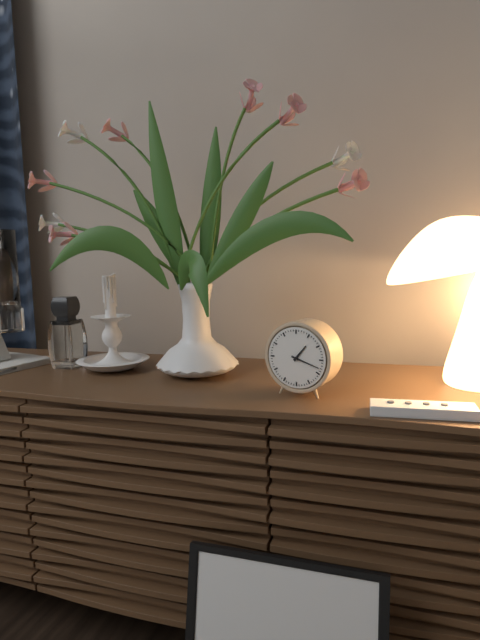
1:18
